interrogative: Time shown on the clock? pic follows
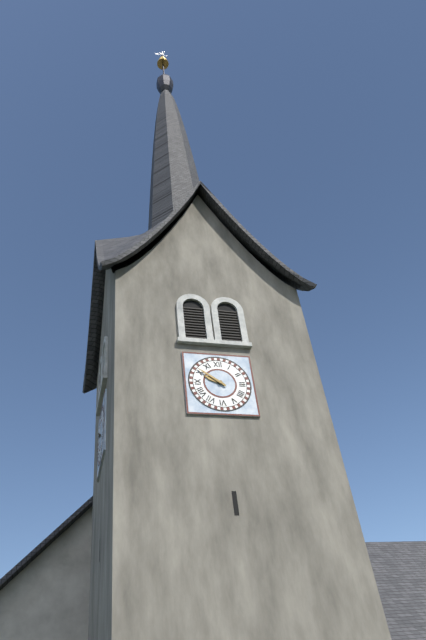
9:51
